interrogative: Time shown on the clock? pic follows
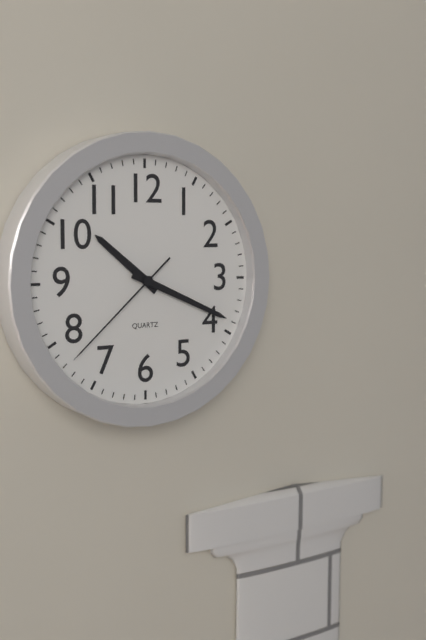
10:19:38
